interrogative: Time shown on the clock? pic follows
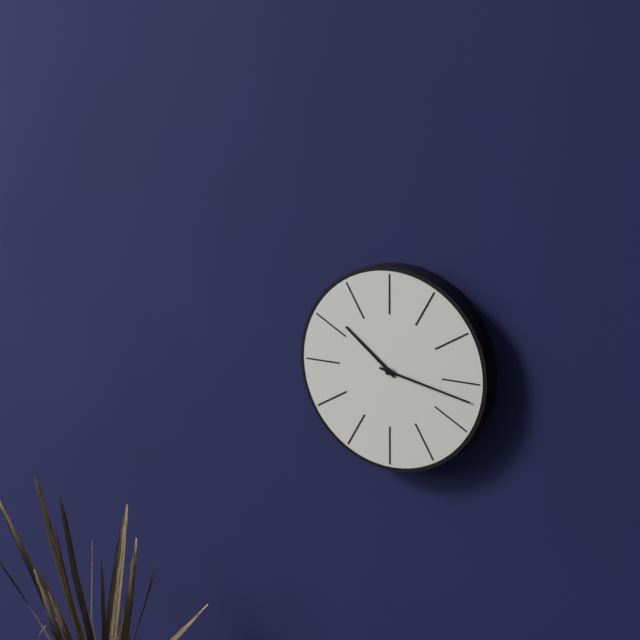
10:17
